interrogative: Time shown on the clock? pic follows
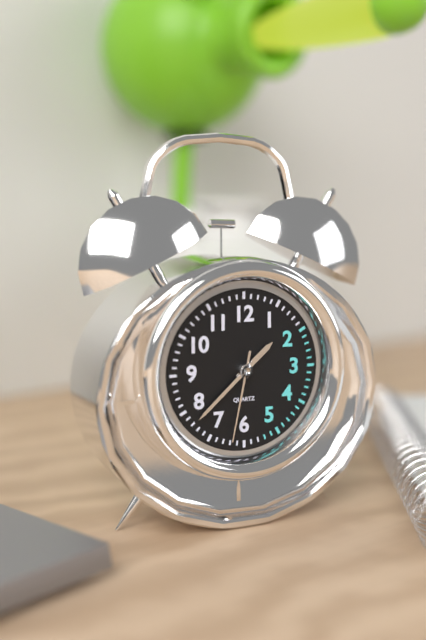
1:38:32
